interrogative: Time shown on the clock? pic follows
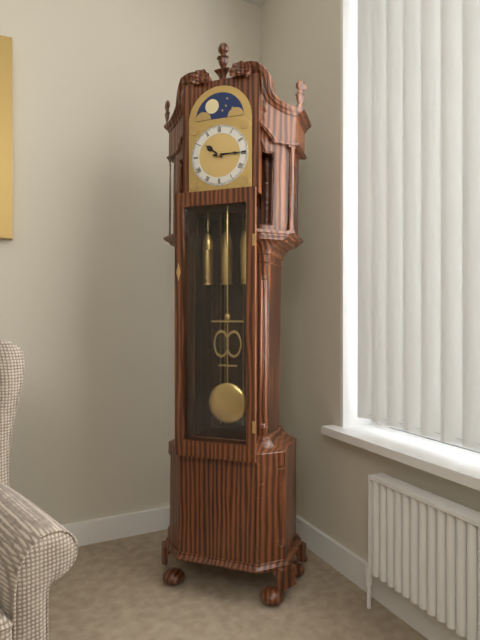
10:15
